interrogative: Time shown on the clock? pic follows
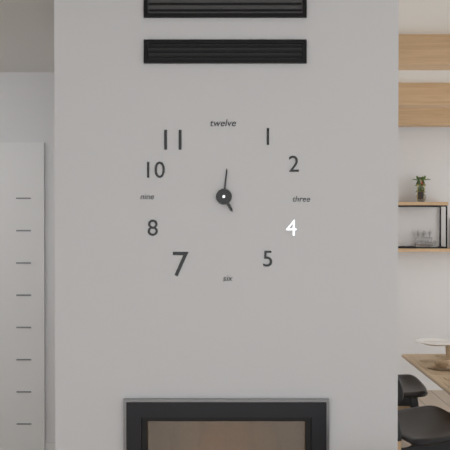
5:01
